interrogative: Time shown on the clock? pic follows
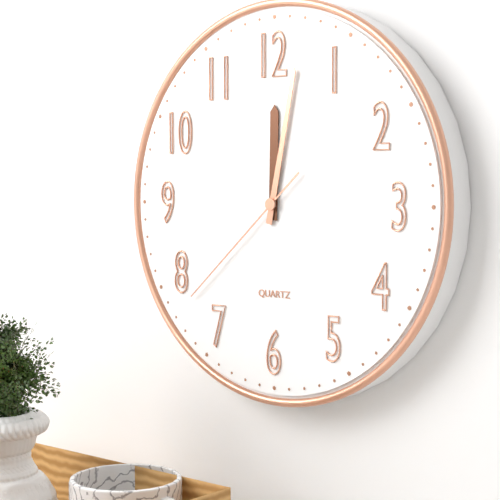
12:02:38
